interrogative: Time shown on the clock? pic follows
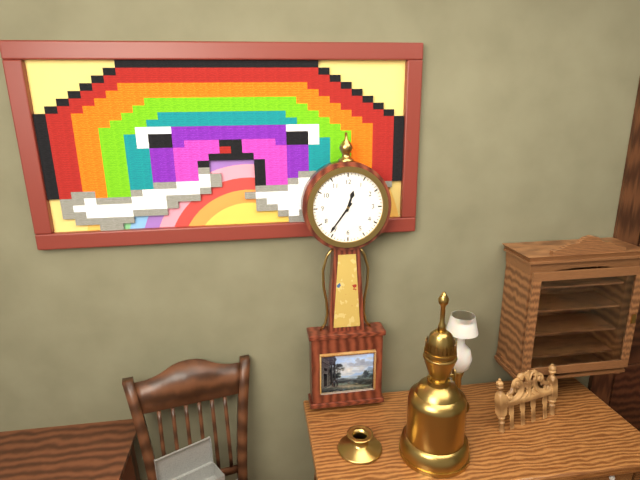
12:36
